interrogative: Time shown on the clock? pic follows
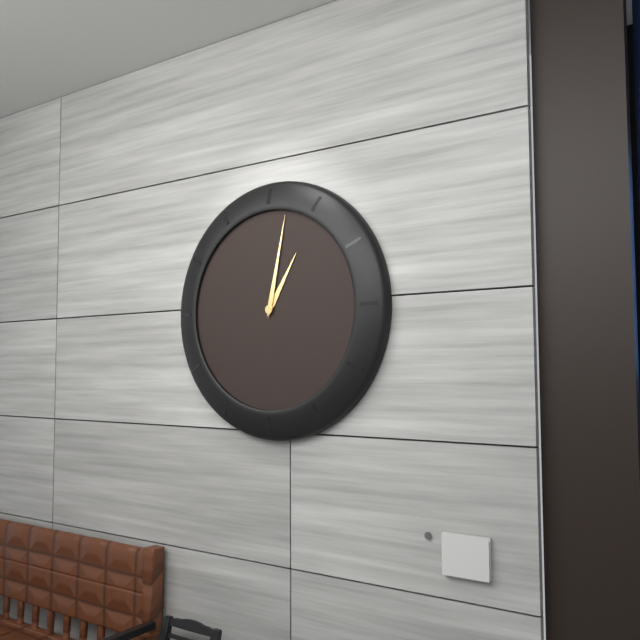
1:02
